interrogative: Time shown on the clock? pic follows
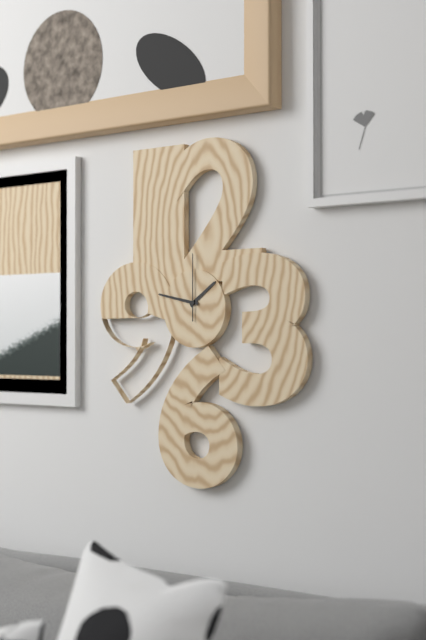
1:47:00
